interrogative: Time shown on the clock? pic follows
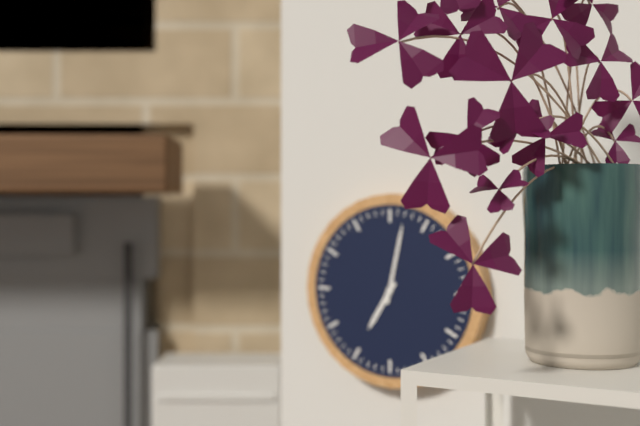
7:02
